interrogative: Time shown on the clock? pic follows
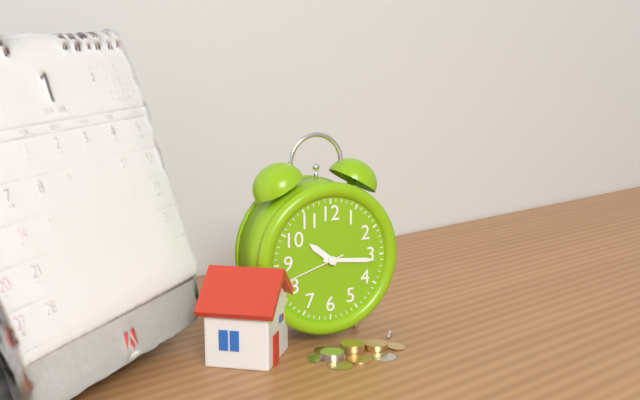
10:16:42
